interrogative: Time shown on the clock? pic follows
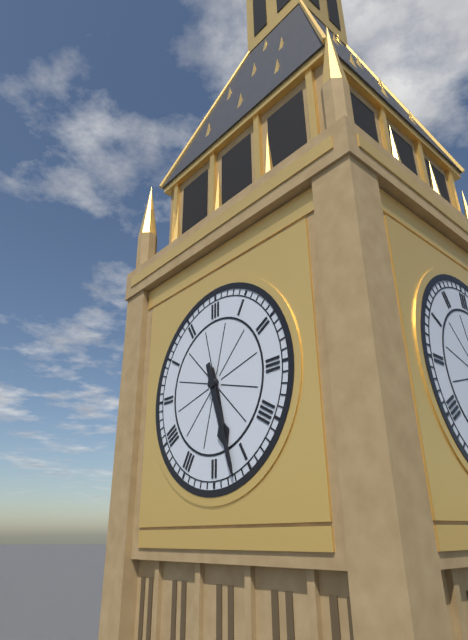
5:27
